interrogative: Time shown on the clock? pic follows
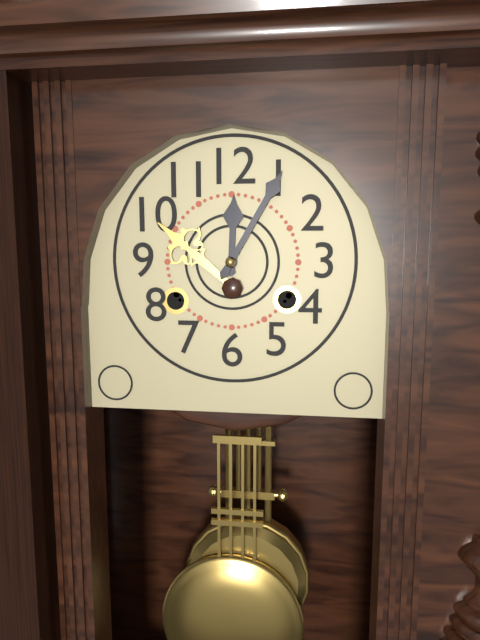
12:05
